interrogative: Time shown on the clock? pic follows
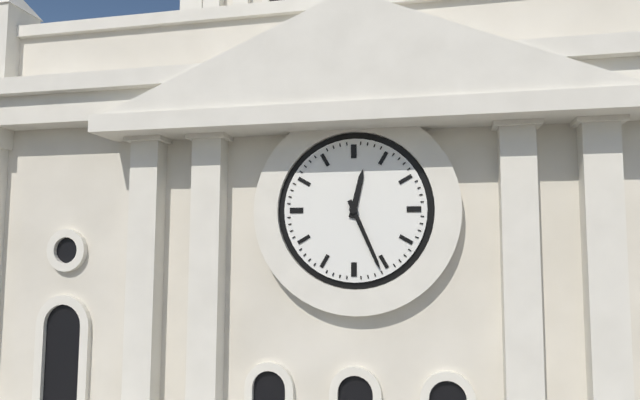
12:26
